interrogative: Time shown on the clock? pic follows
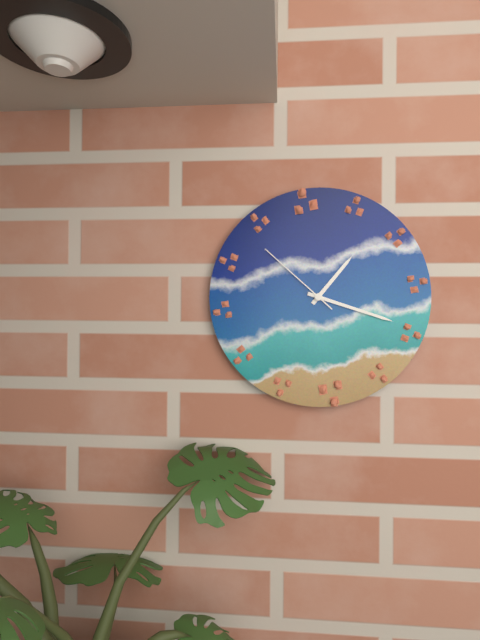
1:18:52
